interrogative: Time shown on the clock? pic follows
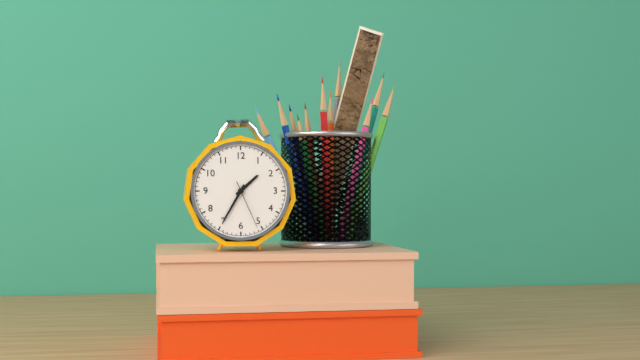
1:35:26
